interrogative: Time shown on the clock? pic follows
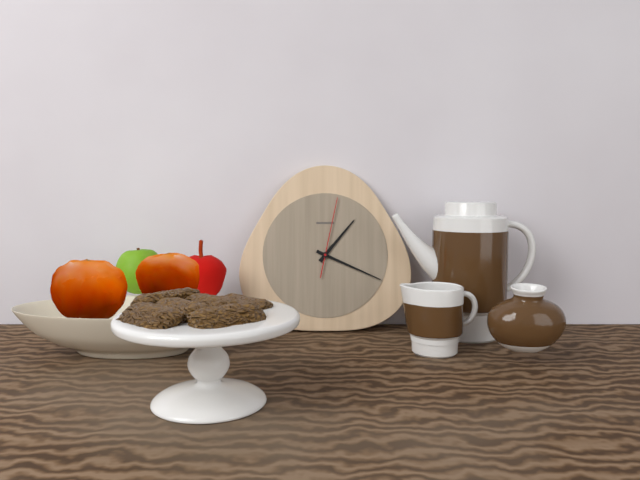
1:19:02
